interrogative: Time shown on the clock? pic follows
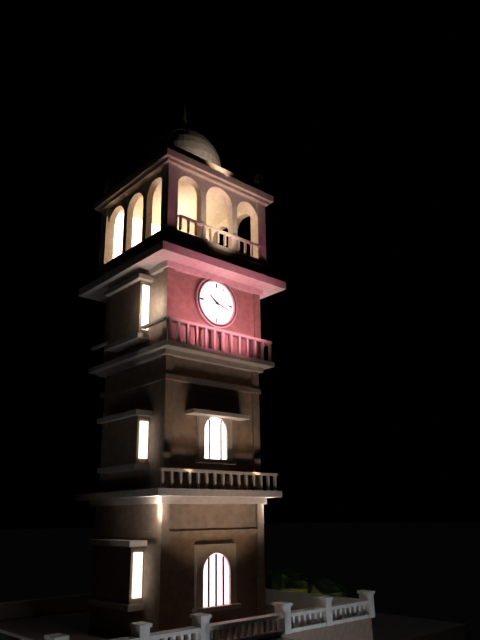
10:18
